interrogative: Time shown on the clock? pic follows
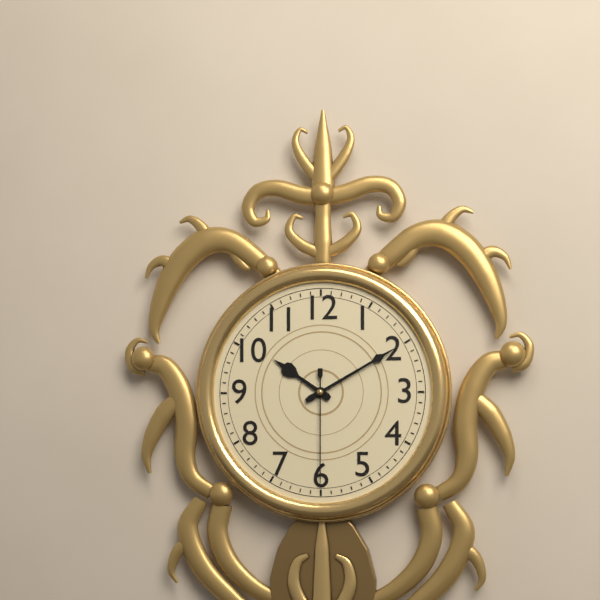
10:10:30
